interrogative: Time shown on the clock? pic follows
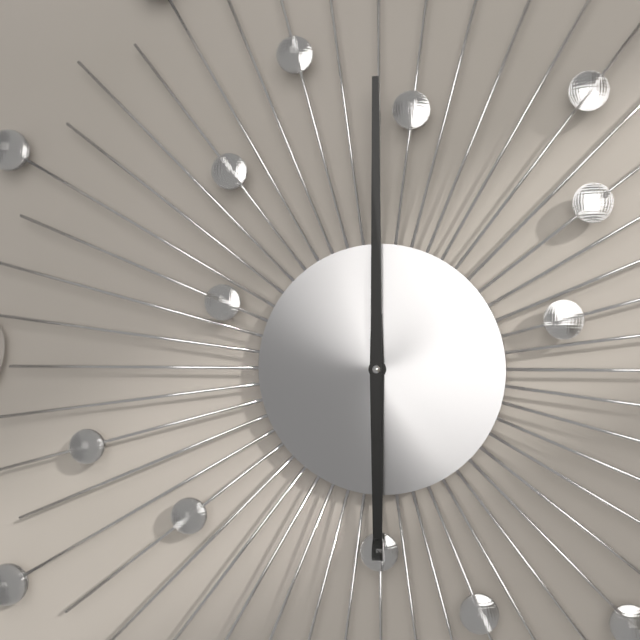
6:00
